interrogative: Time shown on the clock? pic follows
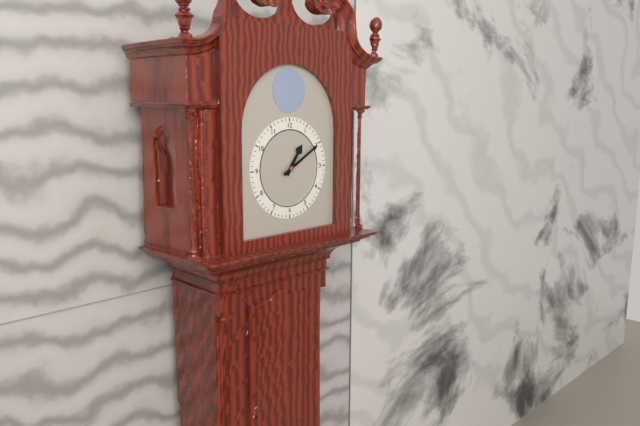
1:10
